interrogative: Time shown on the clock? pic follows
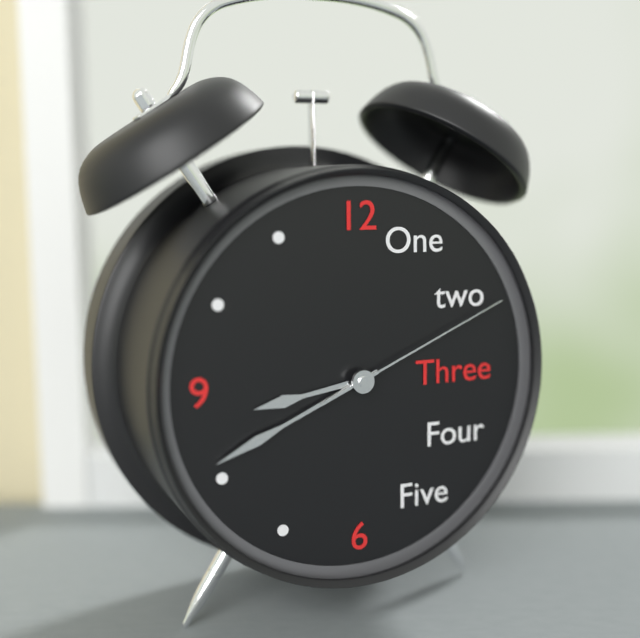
8:41:11
